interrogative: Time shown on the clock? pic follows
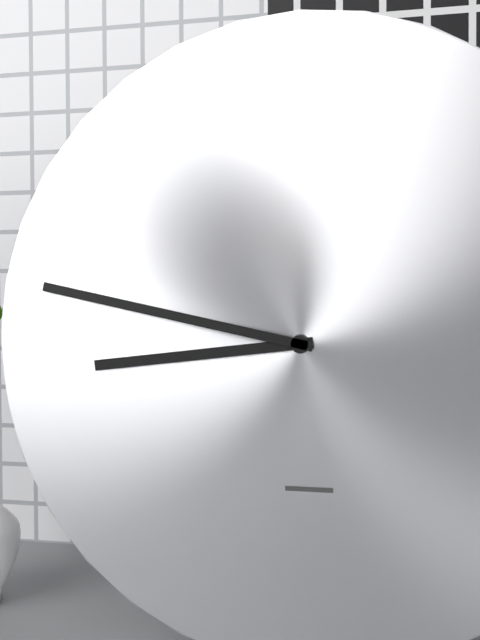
8:47
